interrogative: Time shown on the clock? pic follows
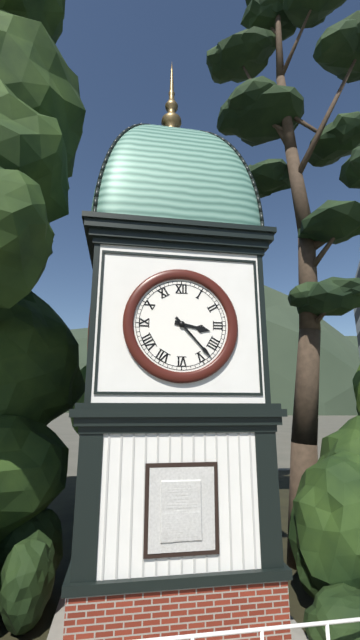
3:23
